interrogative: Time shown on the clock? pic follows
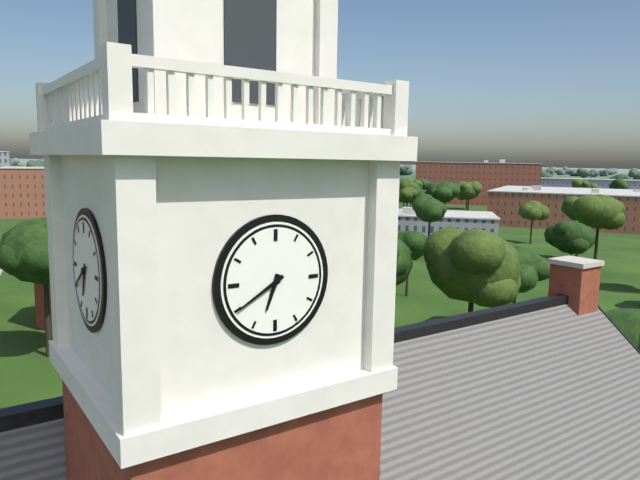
6:40
